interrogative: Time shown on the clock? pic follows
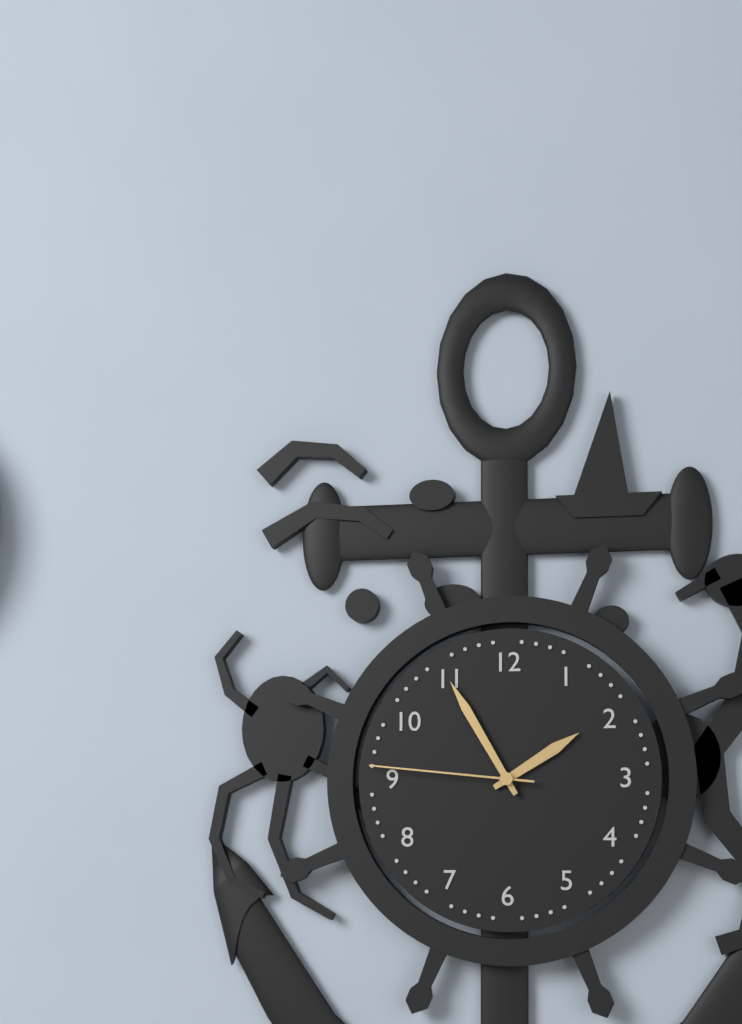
1:55:46
